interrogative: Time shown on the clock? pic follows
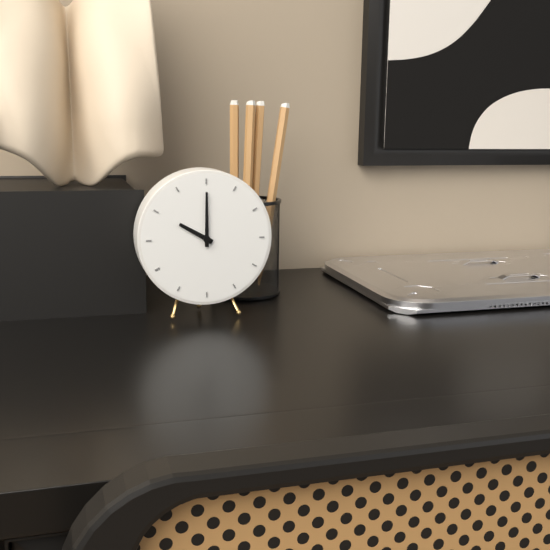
10:00
